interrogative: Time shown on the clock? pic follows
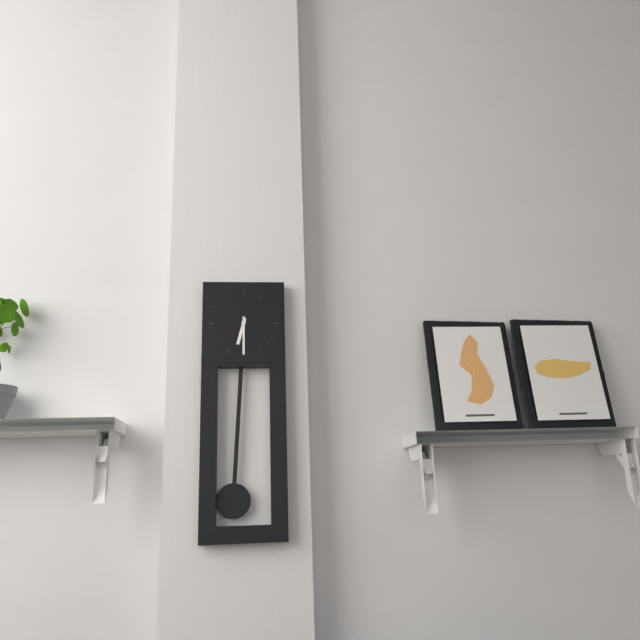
6:30
